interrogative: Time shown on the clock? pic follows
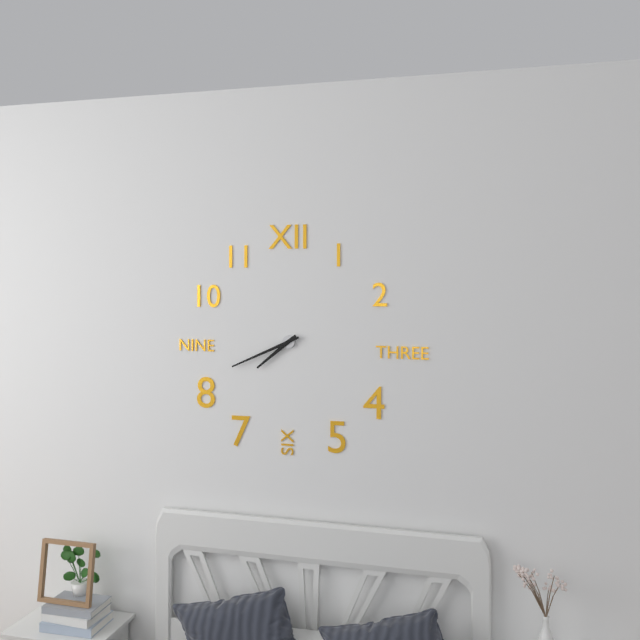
7:41
